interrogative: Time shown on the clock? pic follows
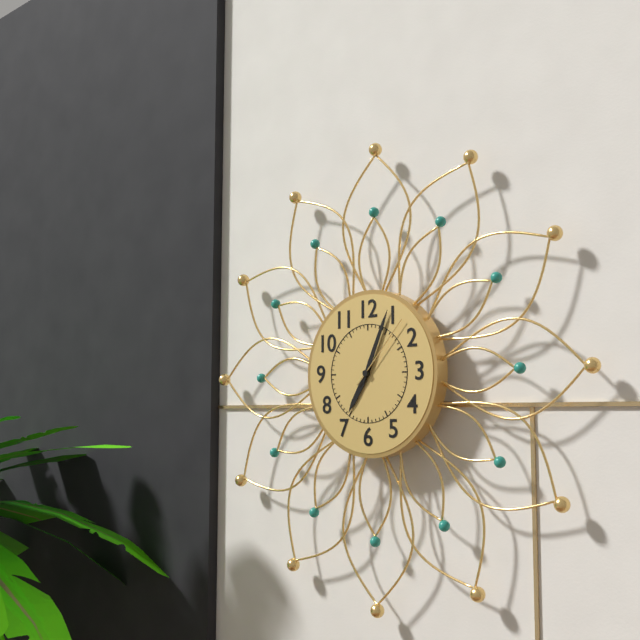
7:04:07
